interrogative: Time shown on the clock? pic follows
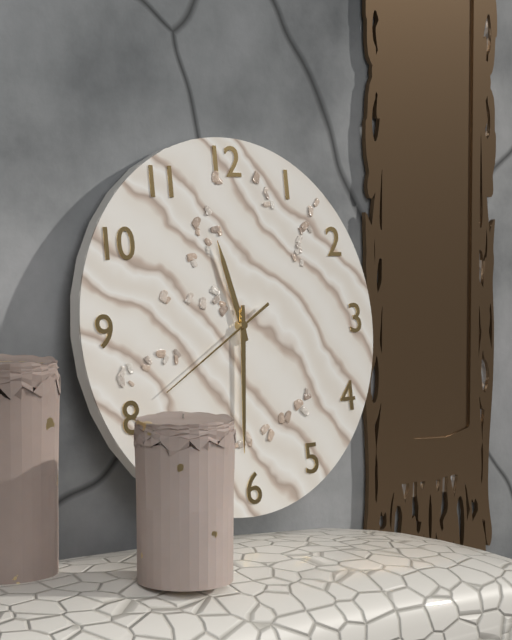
11:31:40
